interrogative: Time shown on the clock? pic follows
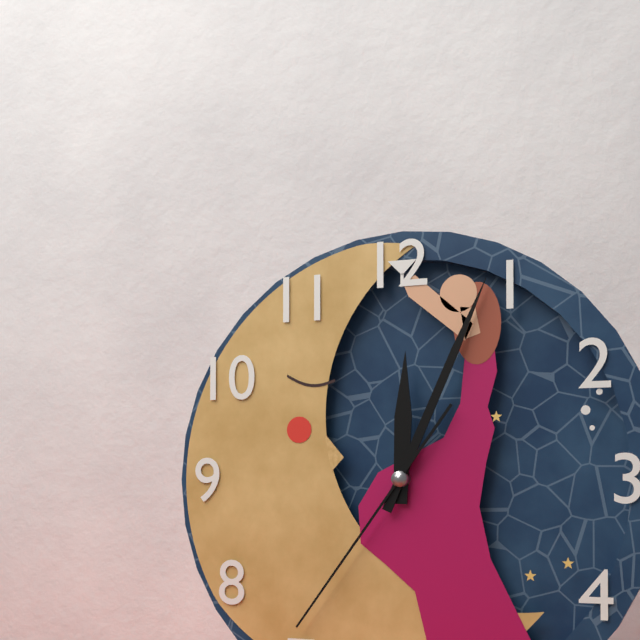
12:04:36
